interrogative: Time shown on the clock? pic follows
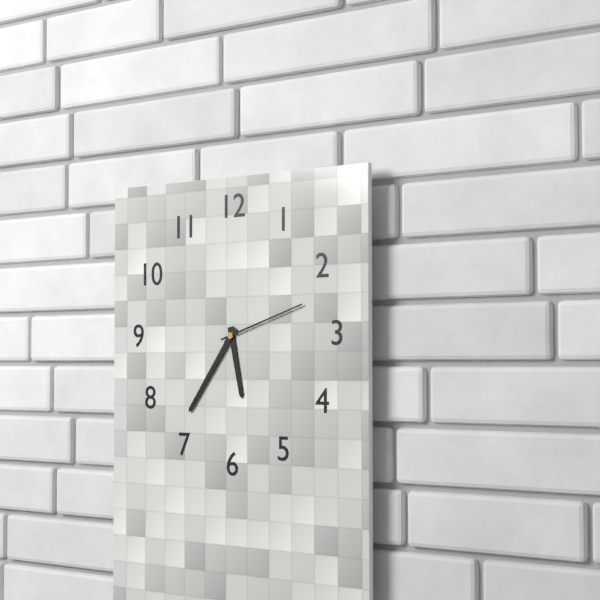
5:36:12
